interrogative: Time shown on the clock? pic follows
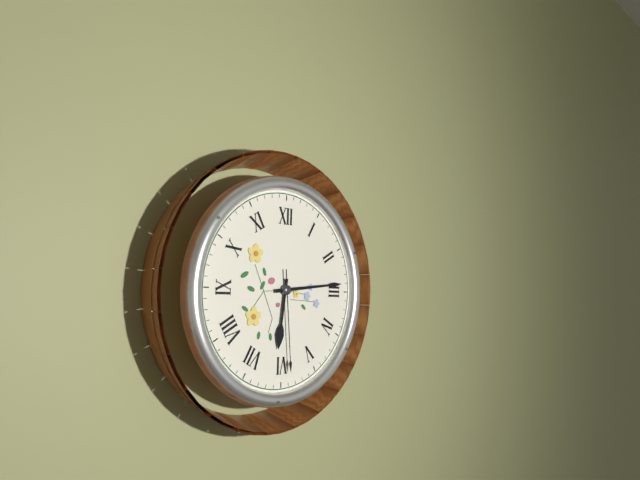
6:14:29
